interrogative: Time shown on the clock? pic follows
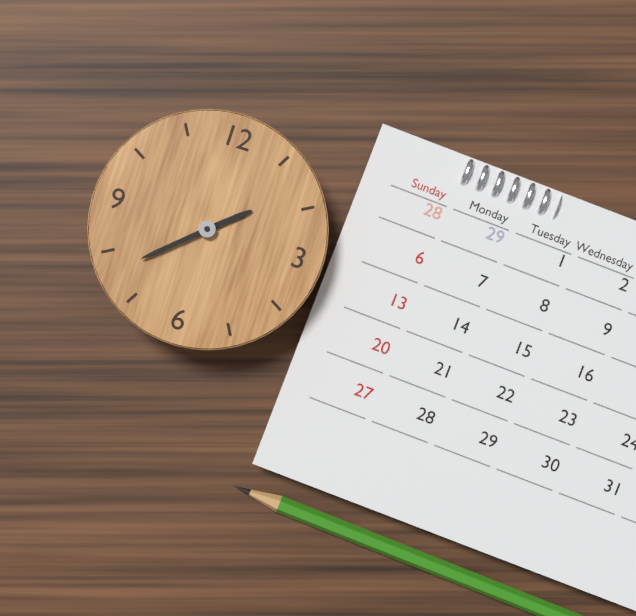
1:38
